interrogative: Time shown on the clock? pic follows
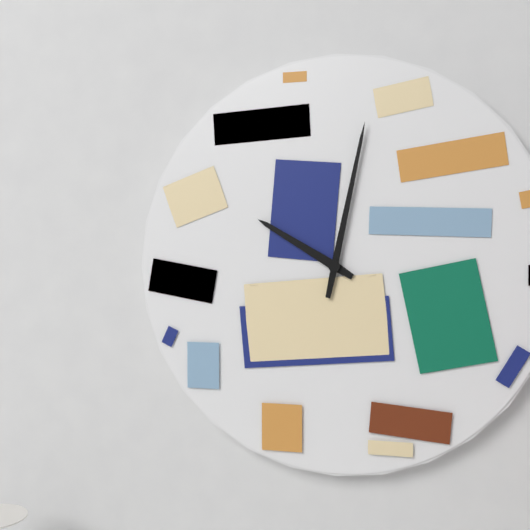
10:02
